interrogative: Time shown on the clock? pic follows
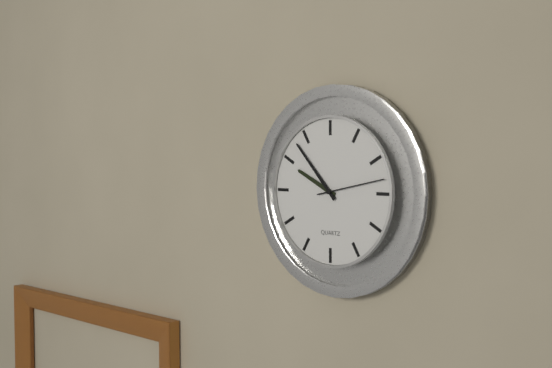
9:53:13
